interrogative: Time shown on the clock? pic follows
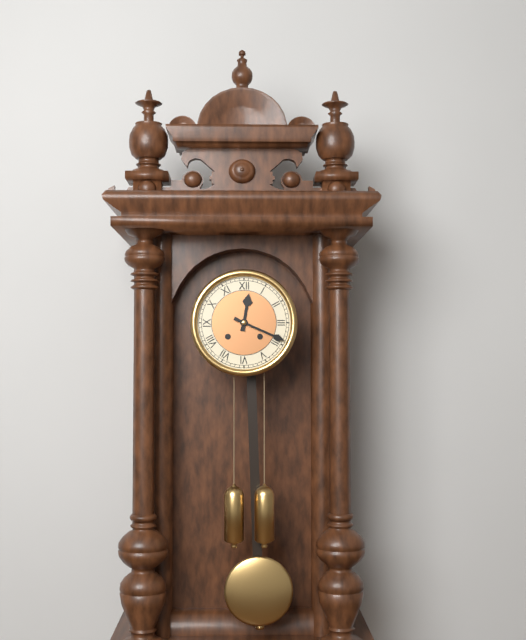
12:19
